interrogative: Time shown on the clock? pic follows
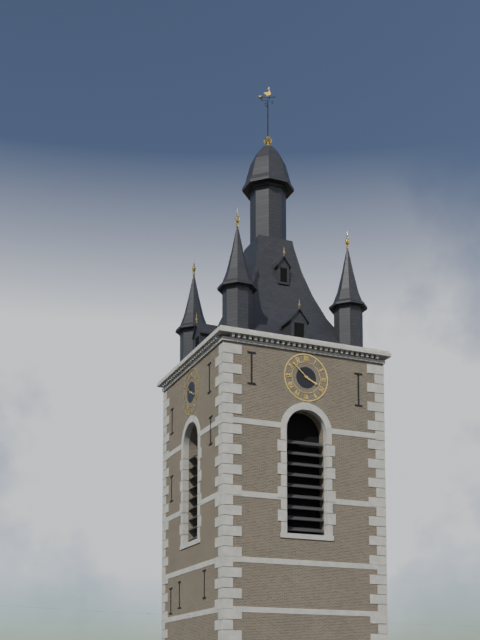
3:52
